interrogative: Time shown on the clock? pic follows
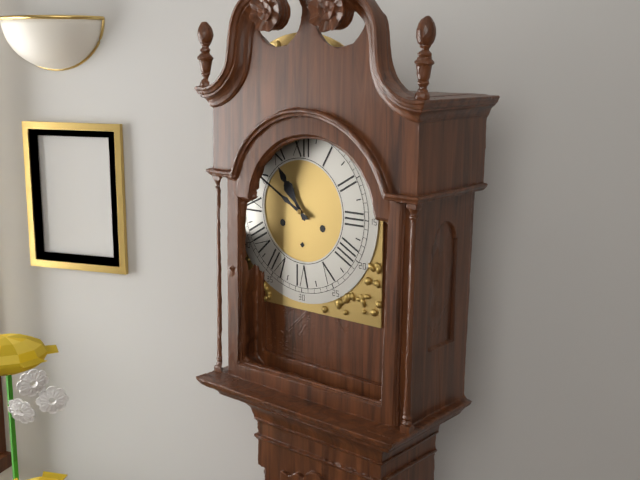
10:50
